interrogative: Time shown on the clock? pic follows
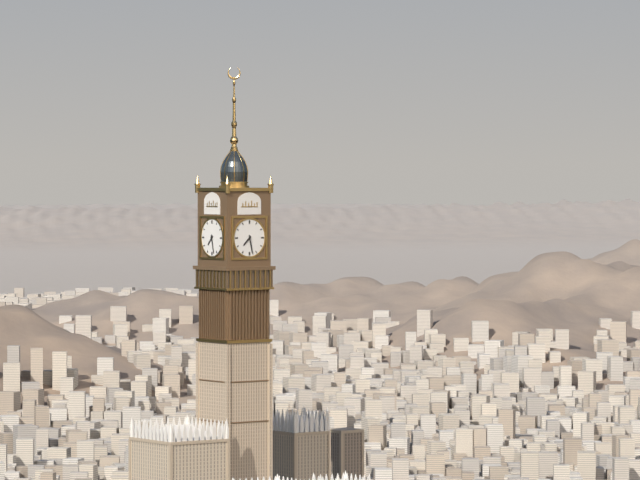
7:28
